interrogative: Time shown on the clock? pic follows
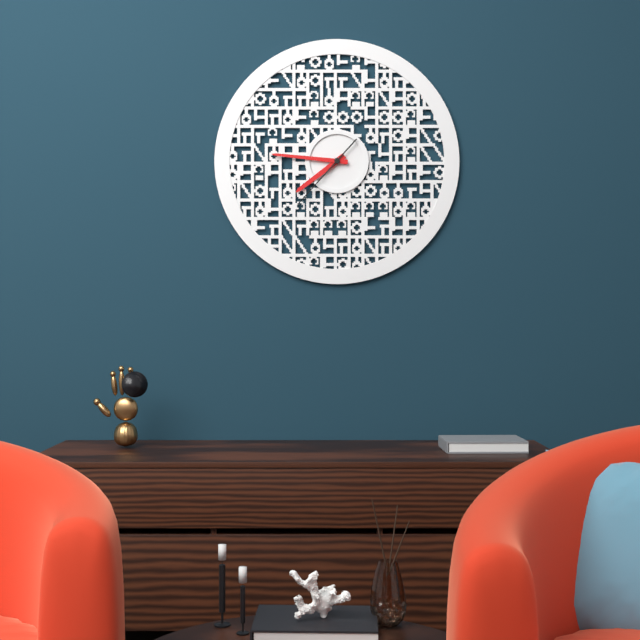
7:46:37
